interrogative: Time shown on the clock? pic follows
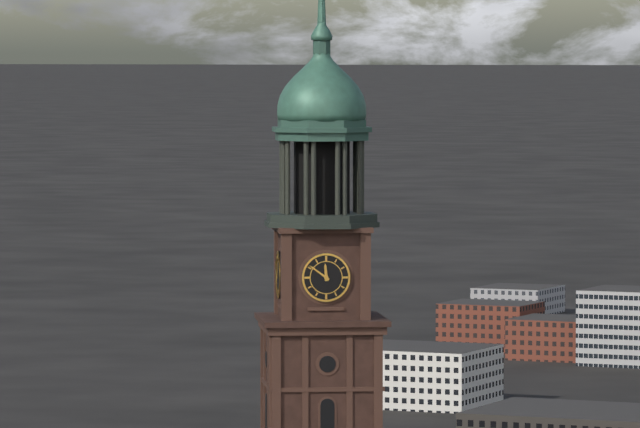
11:51
